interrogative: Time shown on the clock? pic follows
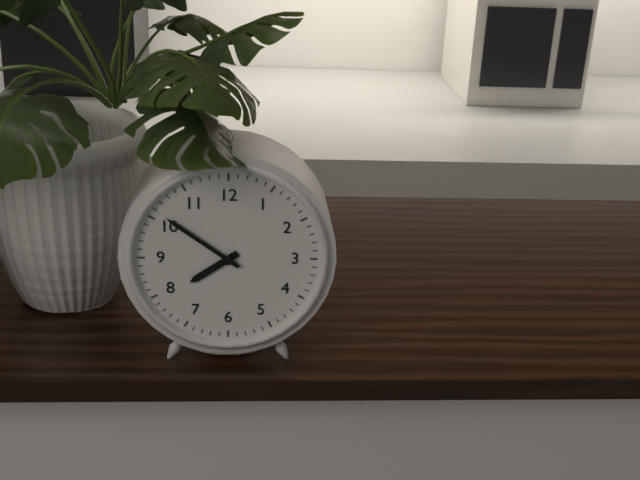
7:51
